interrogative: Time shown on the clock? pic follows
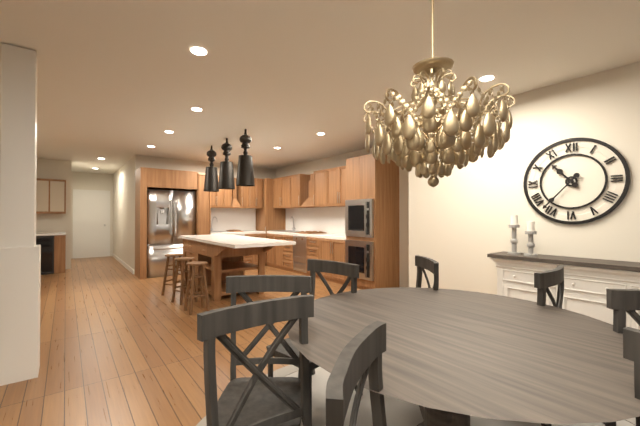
10:37
